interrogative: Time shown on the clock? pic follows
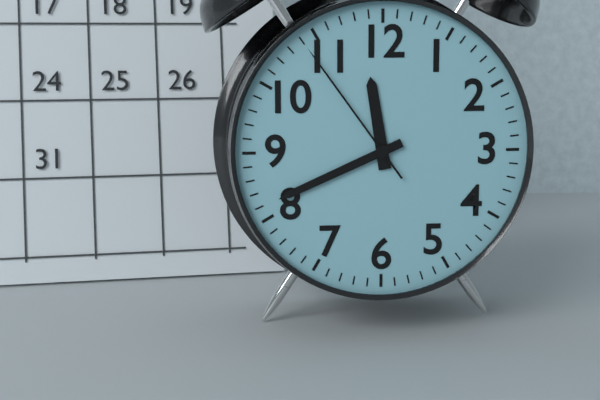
11:41:54
